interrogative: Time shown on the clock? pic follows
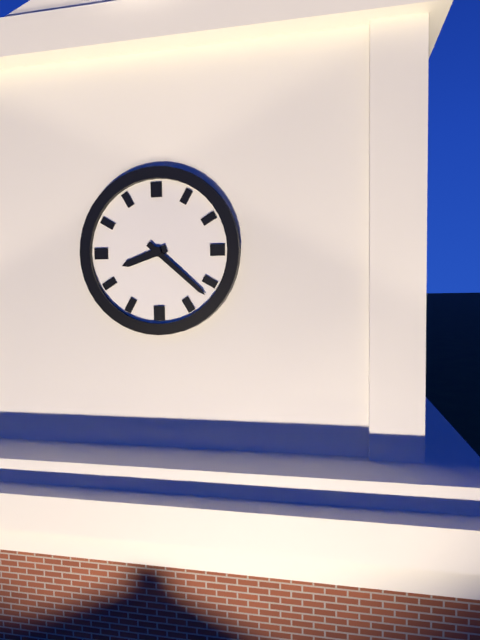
8:22
